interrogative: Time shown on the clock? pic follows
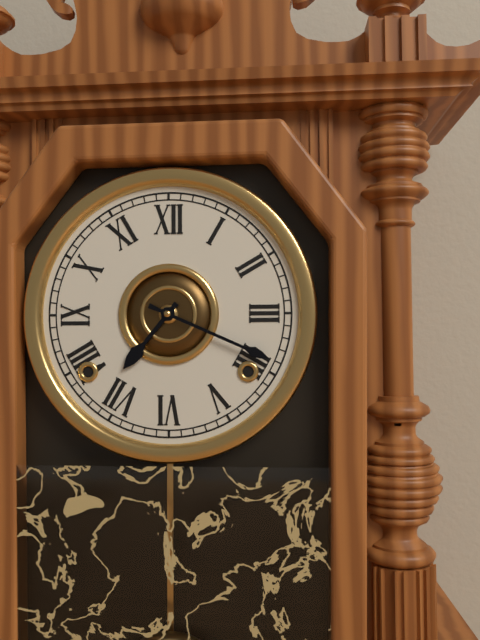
7:19
